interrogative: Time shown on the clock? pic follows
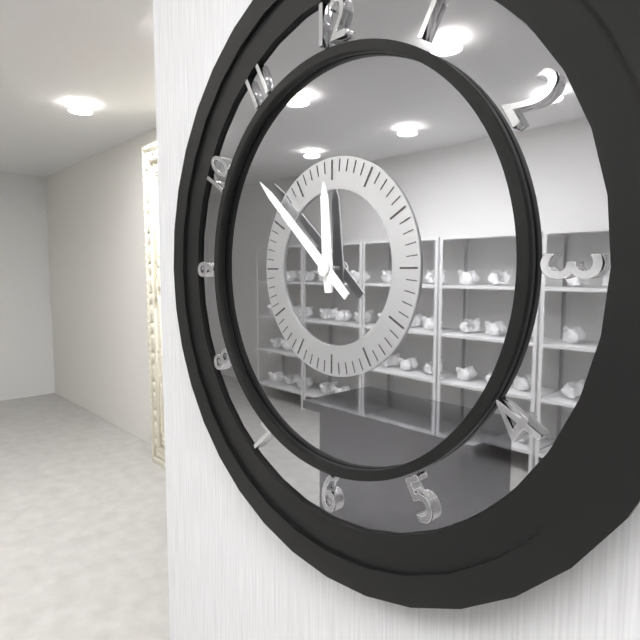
11:52
